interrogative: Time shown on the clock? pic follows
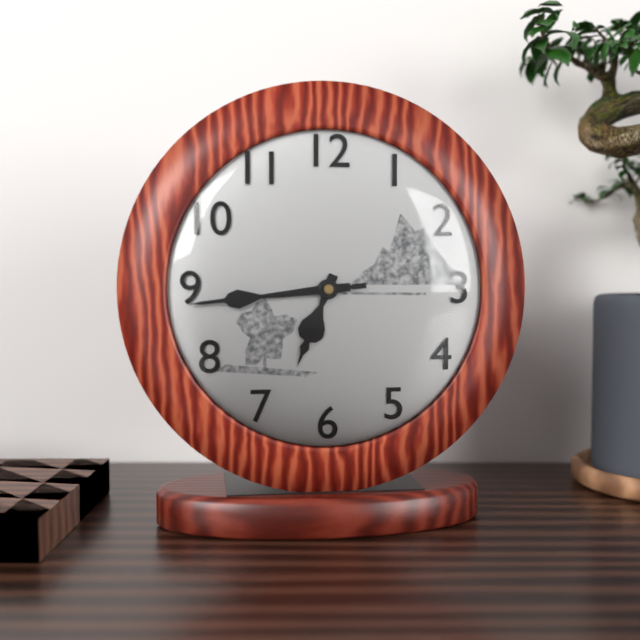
6:44:44
